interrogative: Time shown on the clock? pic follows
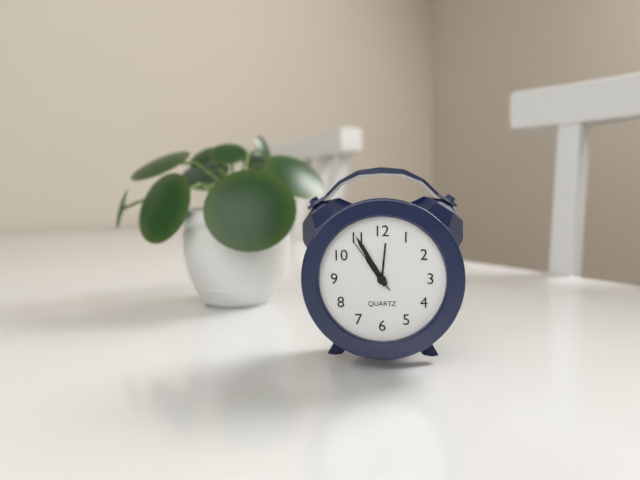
10:55:54
